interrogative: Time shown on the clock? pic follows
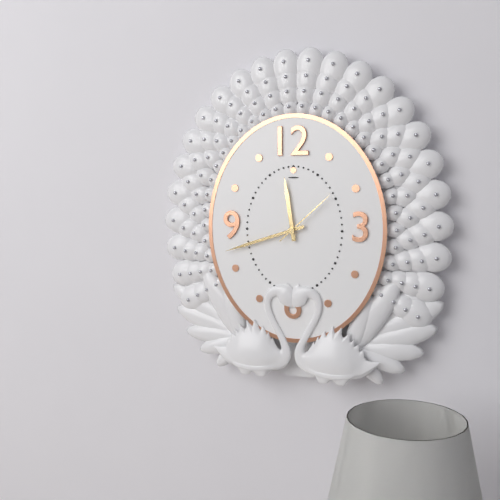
11:42:08
